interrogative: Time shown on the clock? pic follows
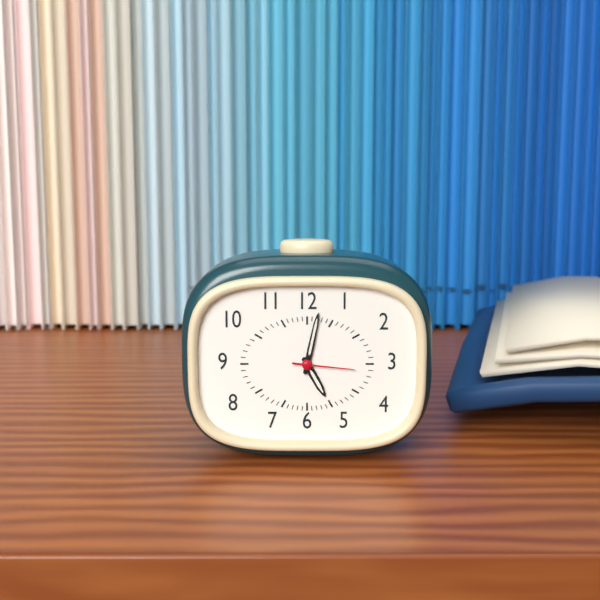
5:02:16
